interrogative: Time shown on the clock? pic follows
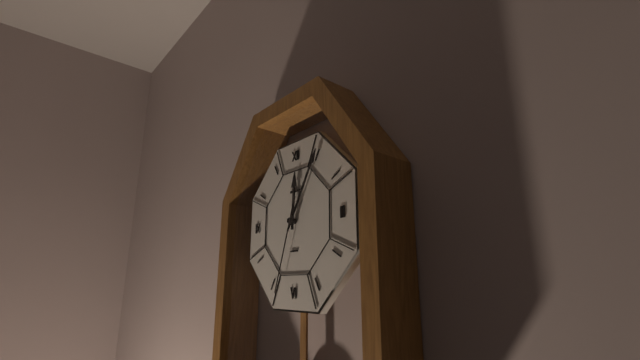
12:05:33
